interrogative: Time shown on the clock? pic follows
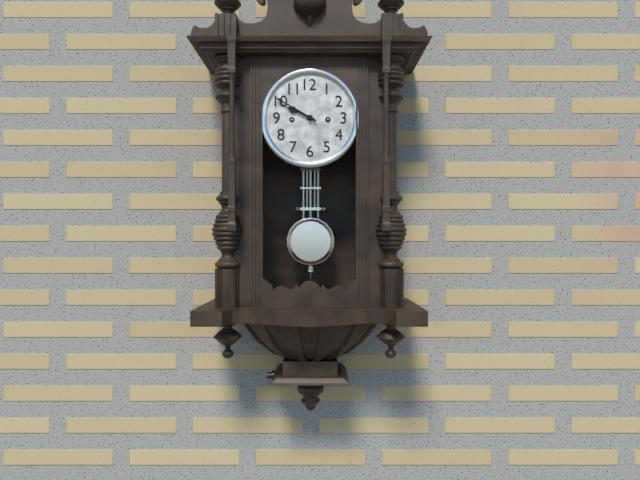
9:50
